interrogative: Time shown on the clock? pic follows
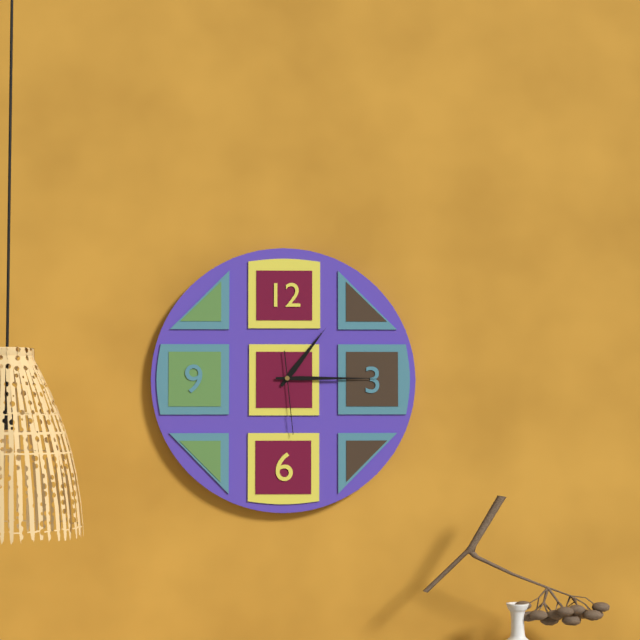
1:15:29
